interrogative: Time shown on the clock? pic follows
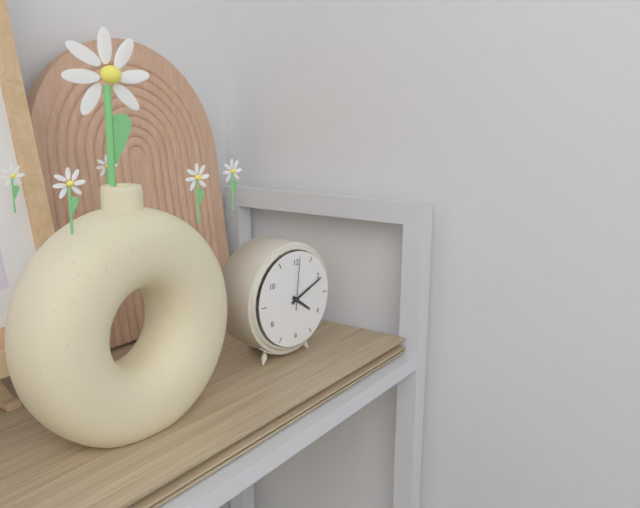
4:11:01
